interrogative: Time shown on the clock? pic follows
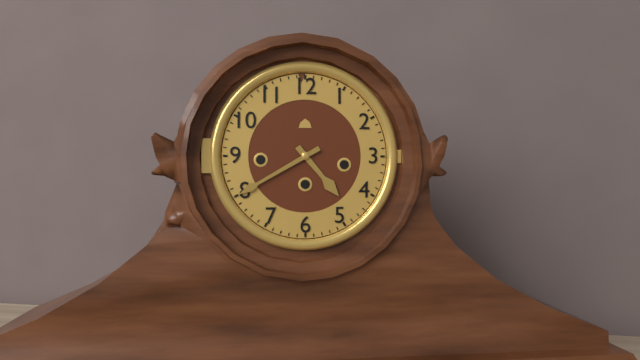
4:40
